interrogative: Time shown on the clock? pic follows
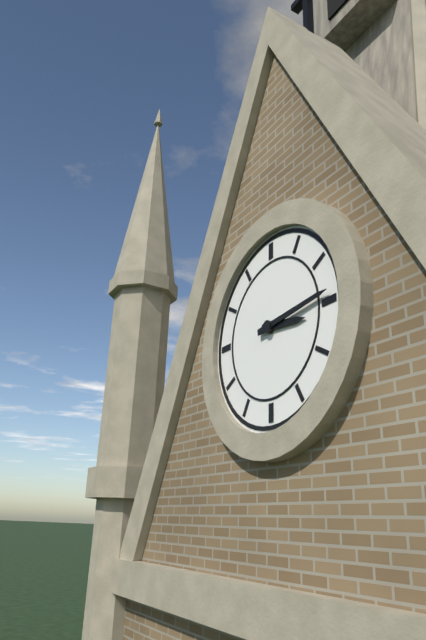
3:14
